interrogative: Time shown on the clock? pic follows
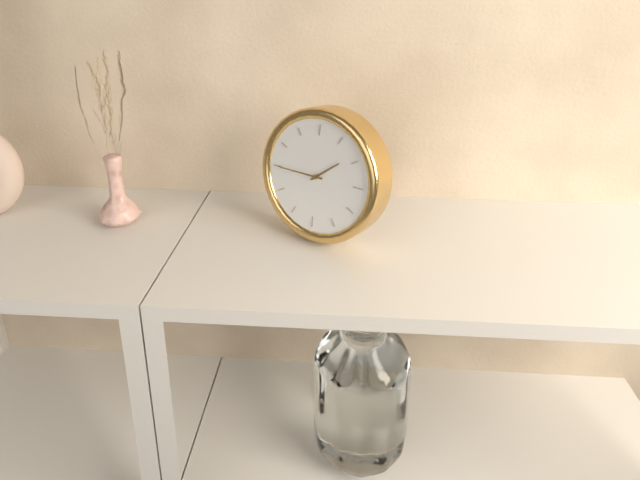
1:45
